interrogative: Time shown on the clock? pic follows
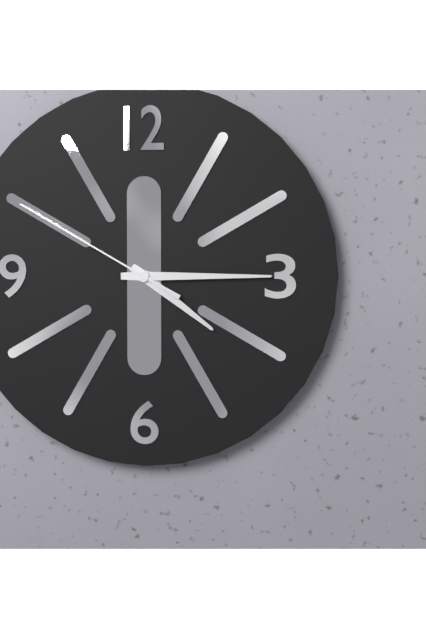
4:15:50
